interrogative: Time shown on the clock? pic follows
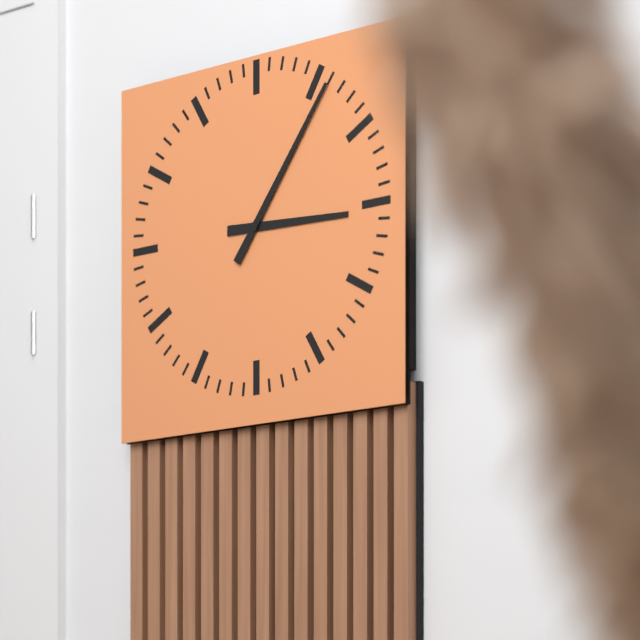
3:06
